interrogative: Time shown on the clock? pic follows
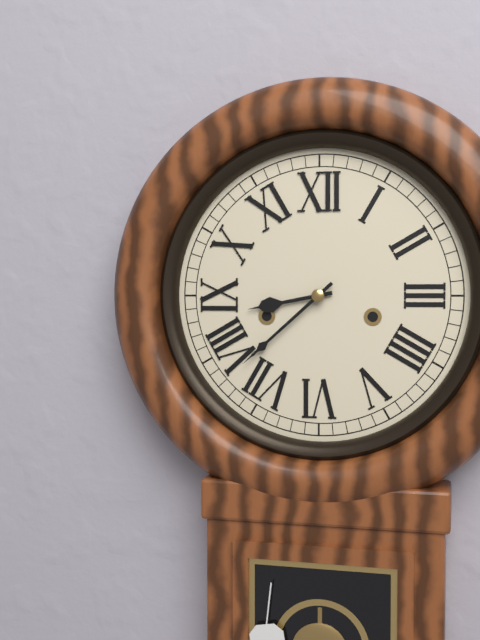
8:38
